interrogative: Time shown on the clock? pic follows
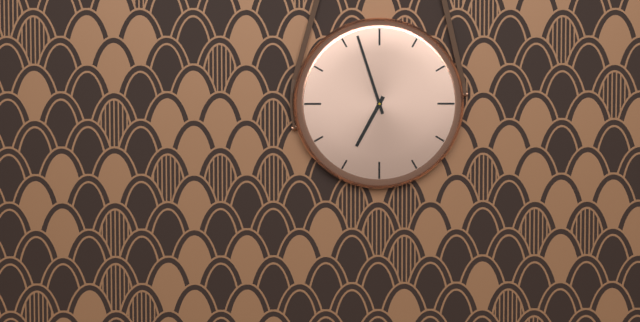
6:57
